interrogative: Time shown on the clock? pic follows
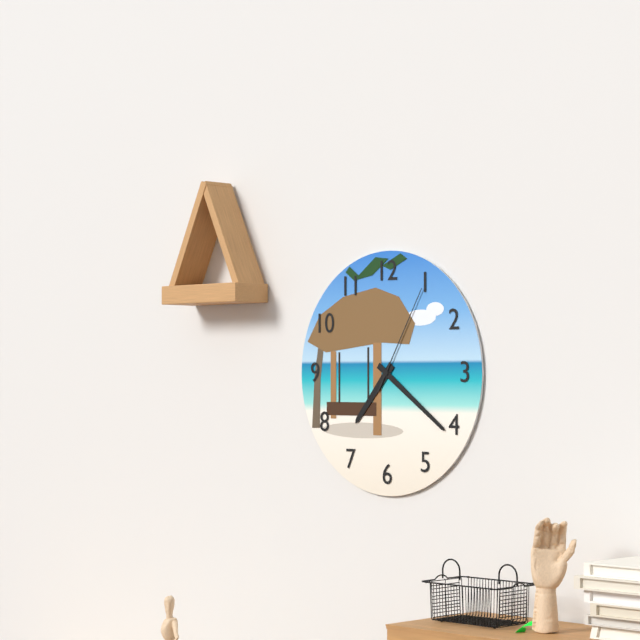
7:21:05
